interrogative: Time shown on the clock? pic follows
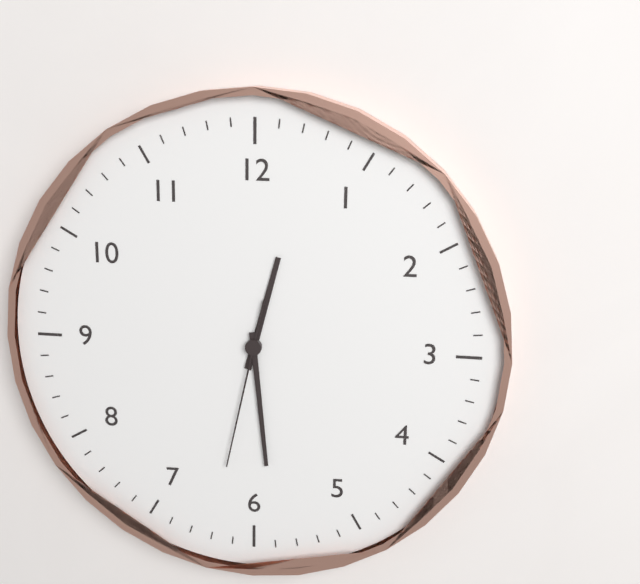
12:29:32
